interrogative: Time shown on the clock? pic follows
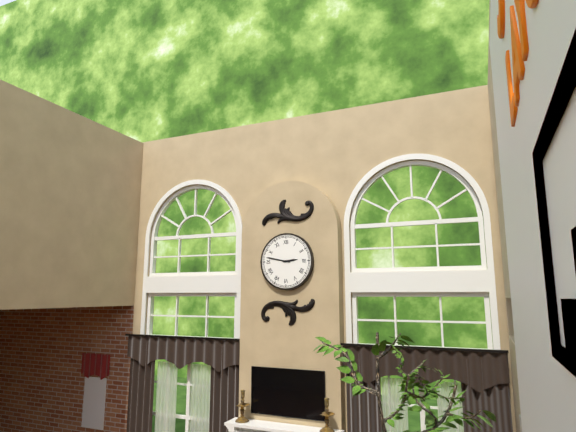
2:47
